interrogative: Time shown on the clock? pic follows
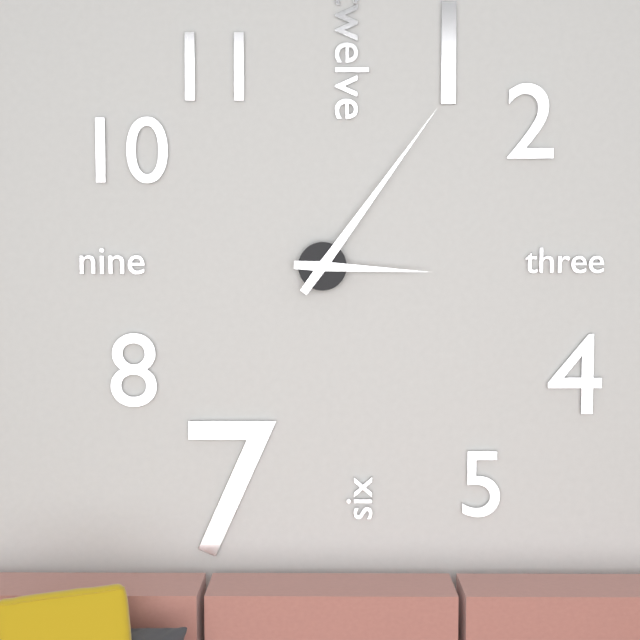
3:06
